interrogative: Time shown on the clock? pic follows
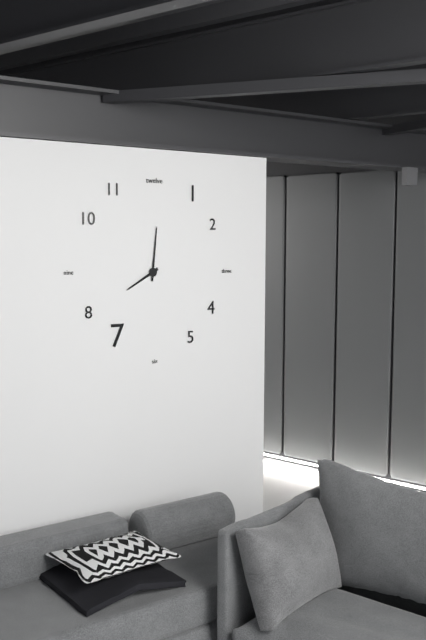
8:01
